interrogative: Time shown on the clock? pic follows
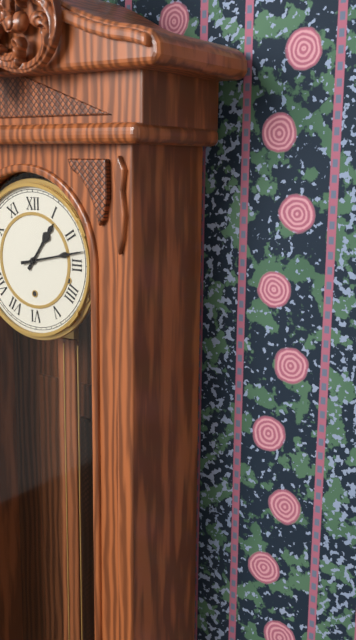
1:13
